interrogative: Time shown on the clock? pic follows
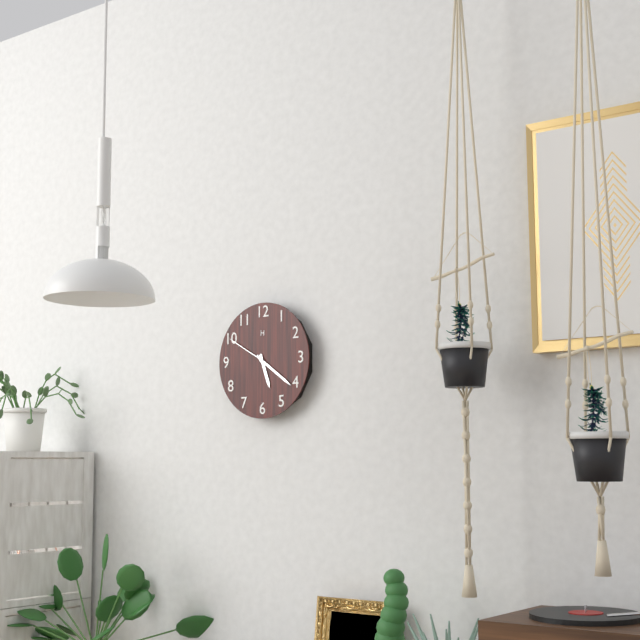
5:21:50
